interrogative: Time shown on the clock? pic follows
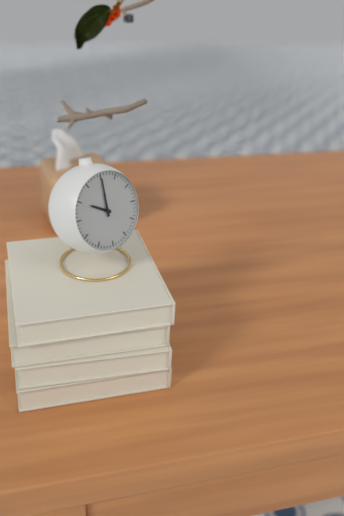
10:00
